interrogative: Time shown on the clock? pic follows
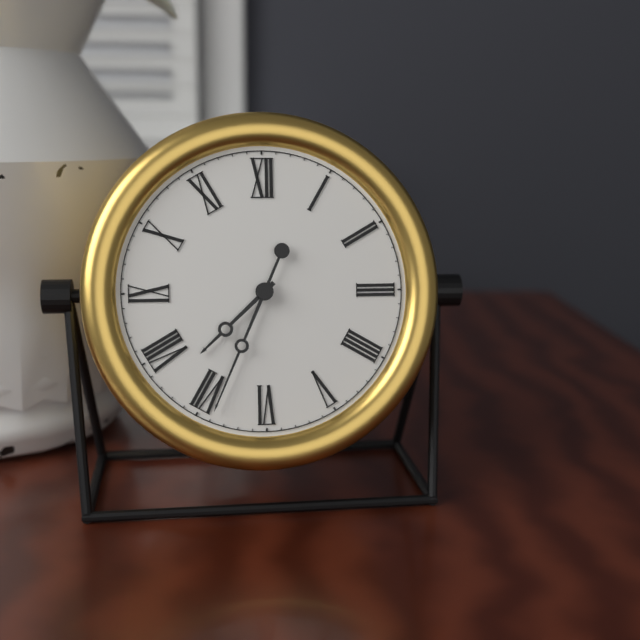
7:34
